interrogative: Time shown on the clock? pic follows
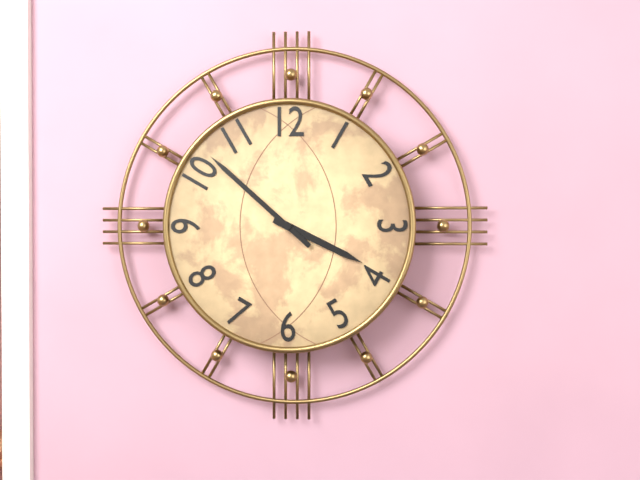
3:52
